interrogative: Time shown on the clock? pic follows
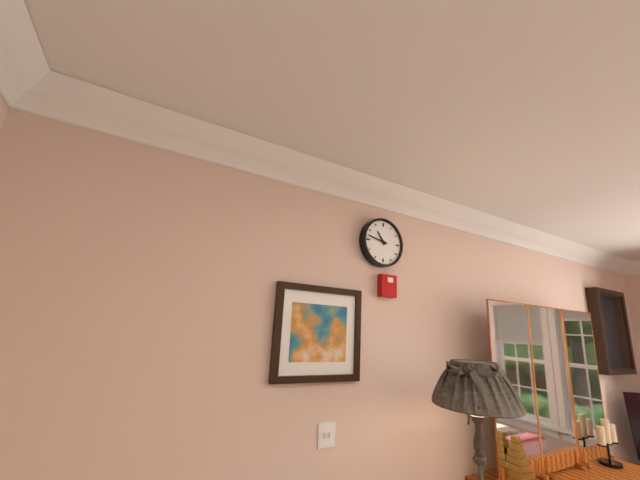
10:47
